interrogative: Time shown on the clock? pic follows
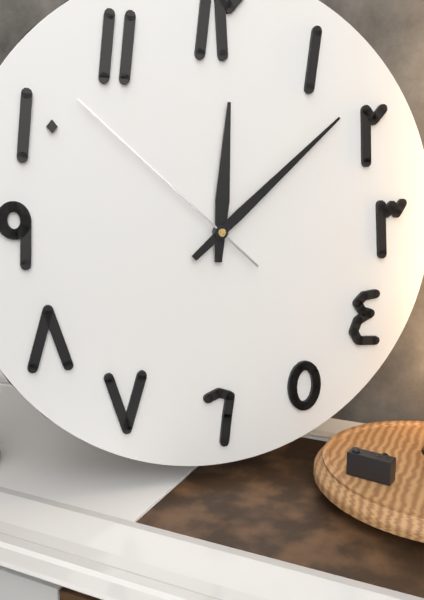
12:08:52
